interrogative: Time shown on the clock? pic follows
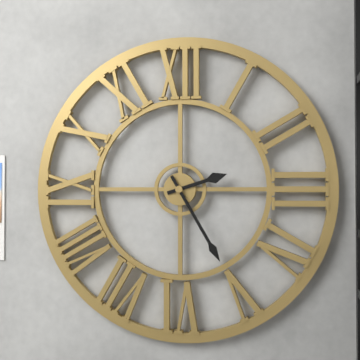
2:25
